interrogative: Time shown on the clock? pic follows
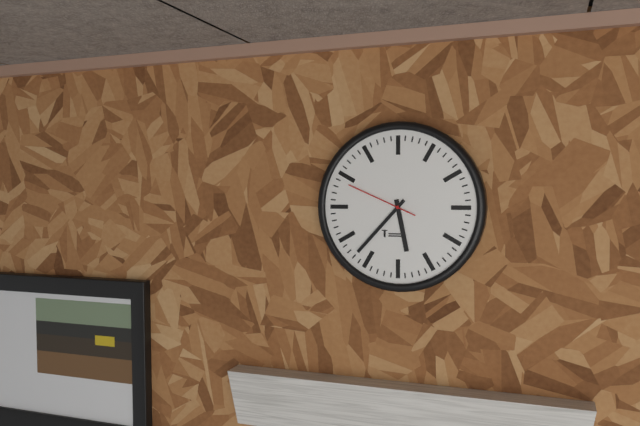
5:37:49
